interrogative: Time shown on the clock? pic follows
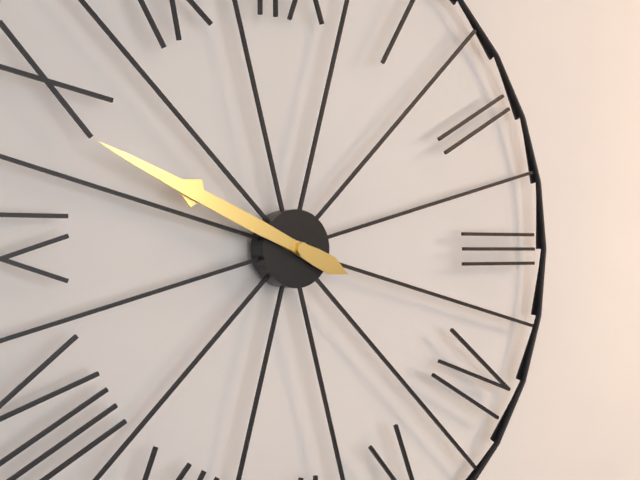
9:49
